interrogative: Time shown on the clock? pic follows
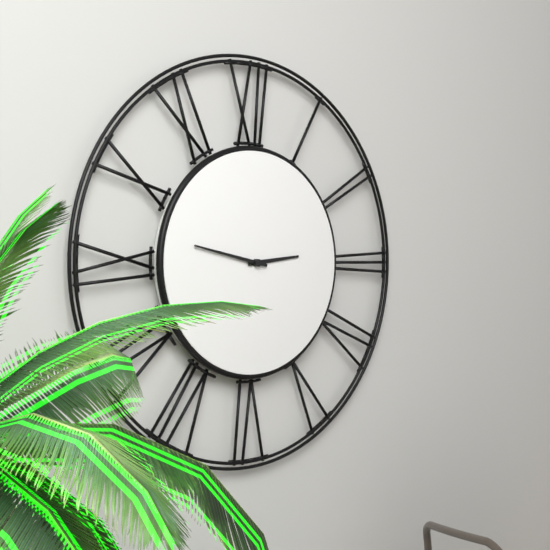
2:47
